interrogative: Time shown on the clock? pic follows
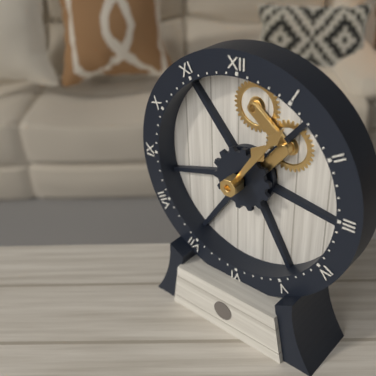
1:06
